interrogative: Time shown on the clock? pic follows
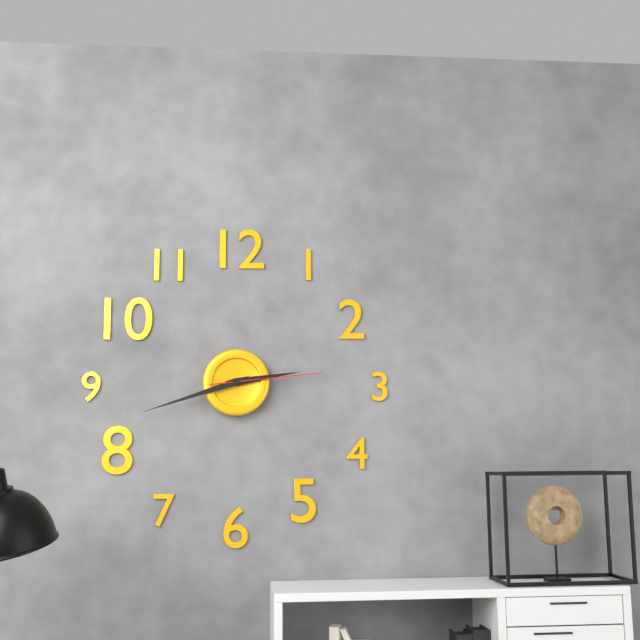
2:42:14
